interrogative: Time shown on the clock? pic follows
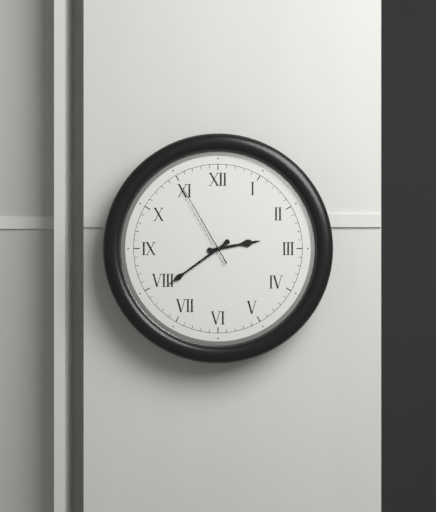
2:39:55
